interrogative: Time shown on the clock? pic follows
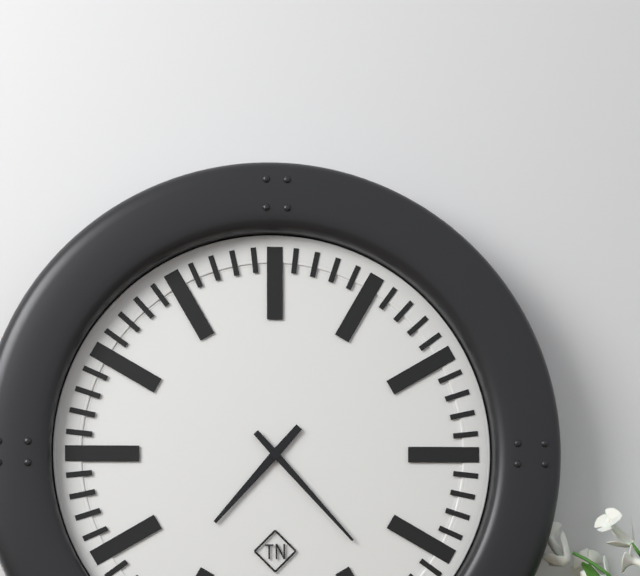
7:23
